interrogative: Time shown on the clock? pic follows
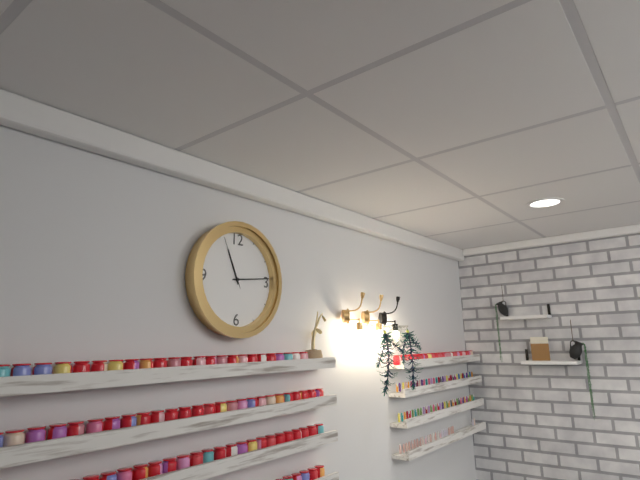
11:14:56
